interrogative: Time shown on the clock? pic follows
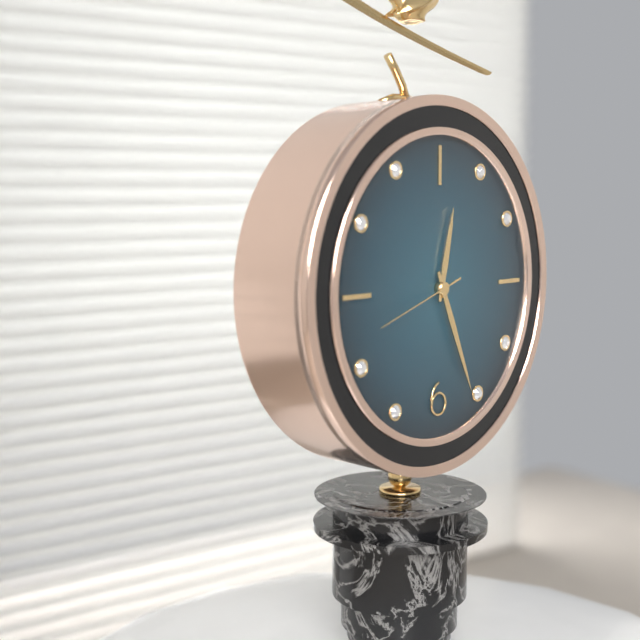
12:26:42
